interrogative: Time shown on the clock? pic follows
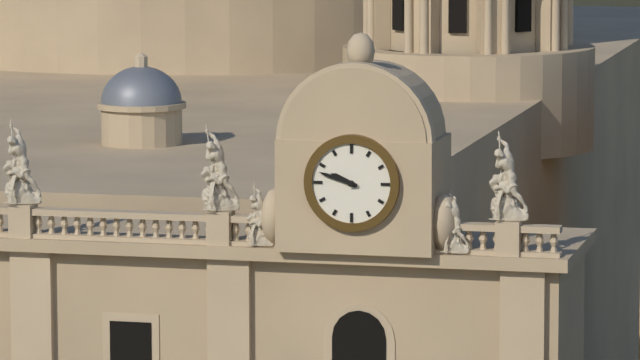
9:48
